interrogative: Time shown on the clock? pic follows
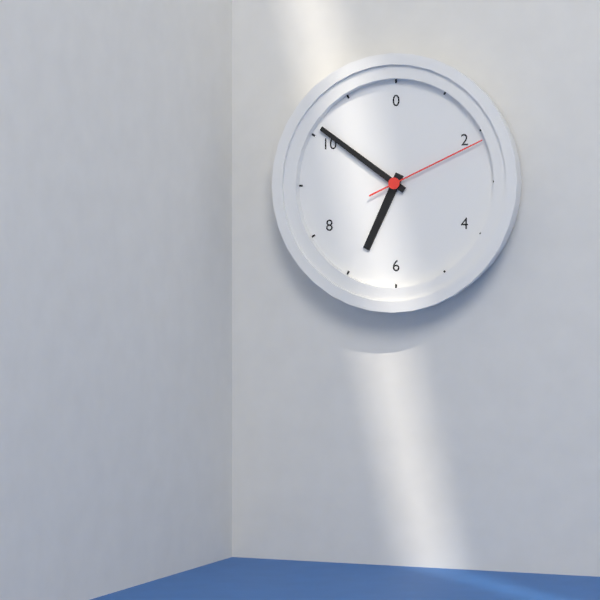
6:51:11
